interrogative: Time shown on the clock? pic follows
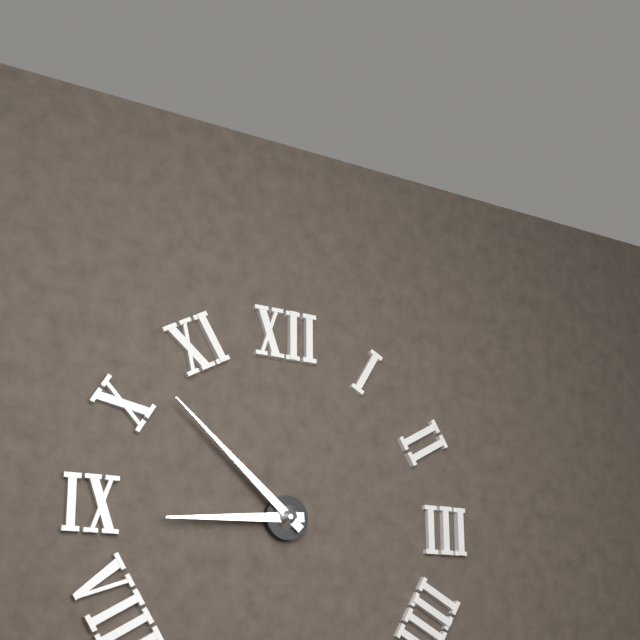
8:52
